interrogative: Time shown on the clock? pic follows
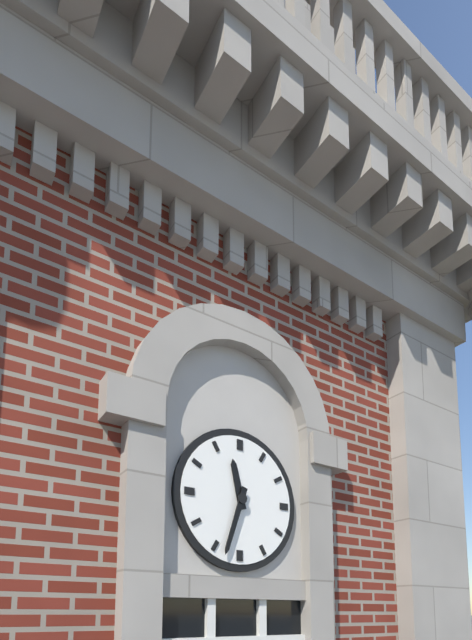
11:33
